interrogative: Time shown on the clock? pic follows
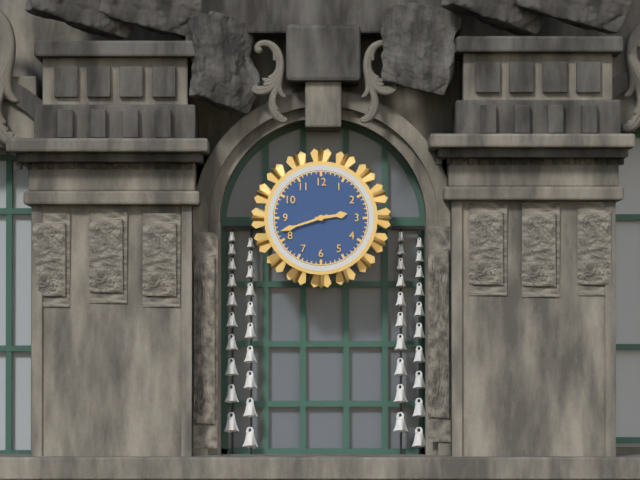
2:42
